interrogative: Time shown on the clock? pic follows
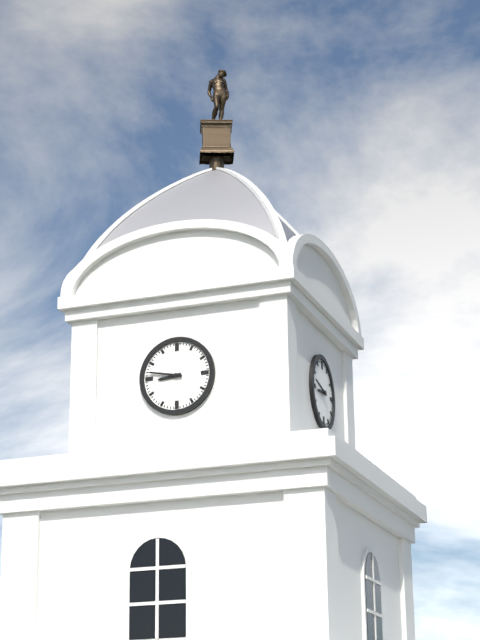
8:47
